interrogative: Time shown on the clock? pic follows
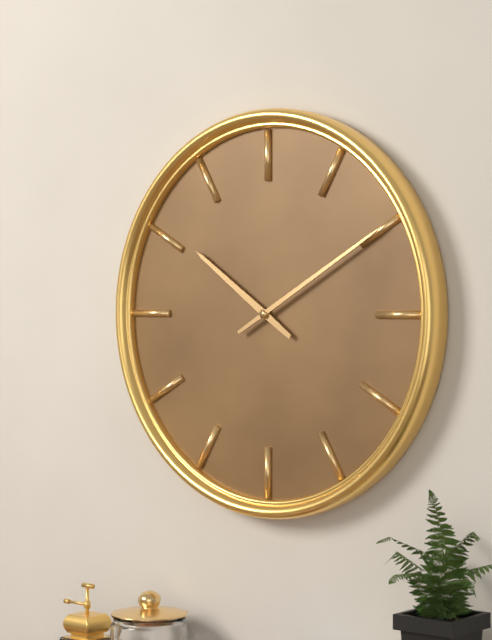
10:10
